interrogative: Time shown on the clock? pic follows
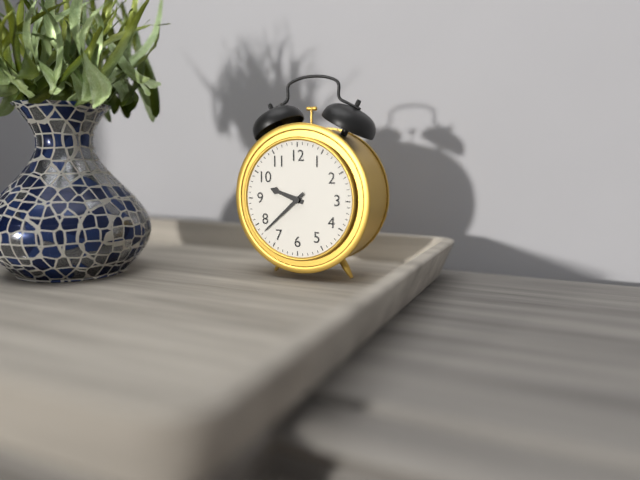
9:38
